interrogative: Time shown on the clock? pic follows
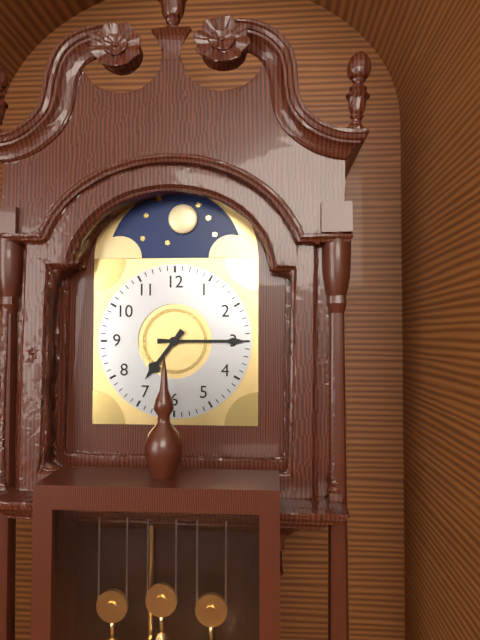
7:15
